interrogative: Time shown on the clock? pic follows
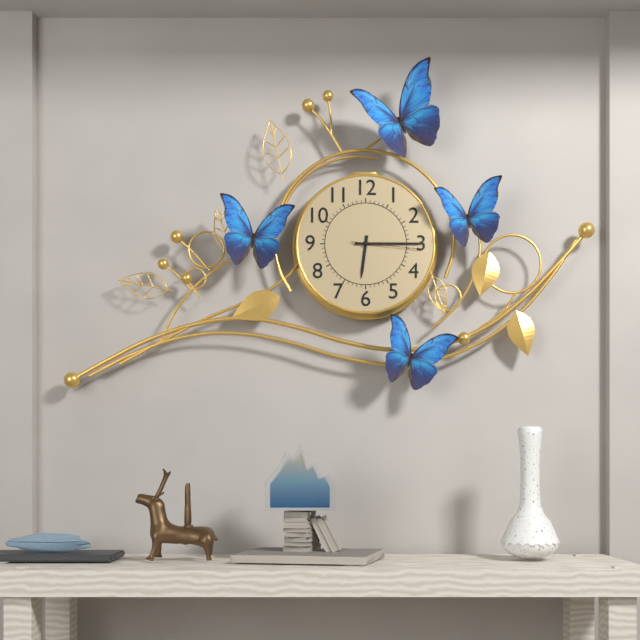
6:15:16
